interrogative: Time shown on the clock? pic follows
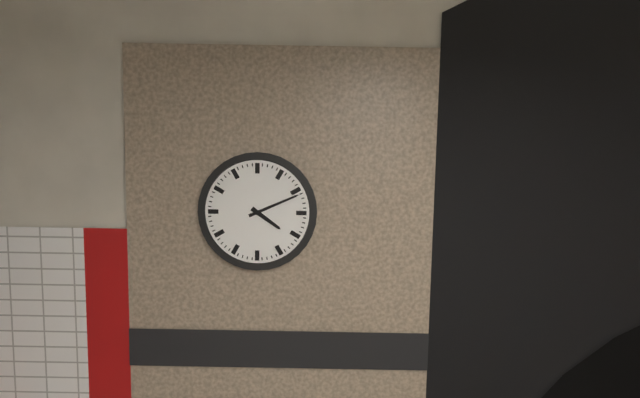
4:11
